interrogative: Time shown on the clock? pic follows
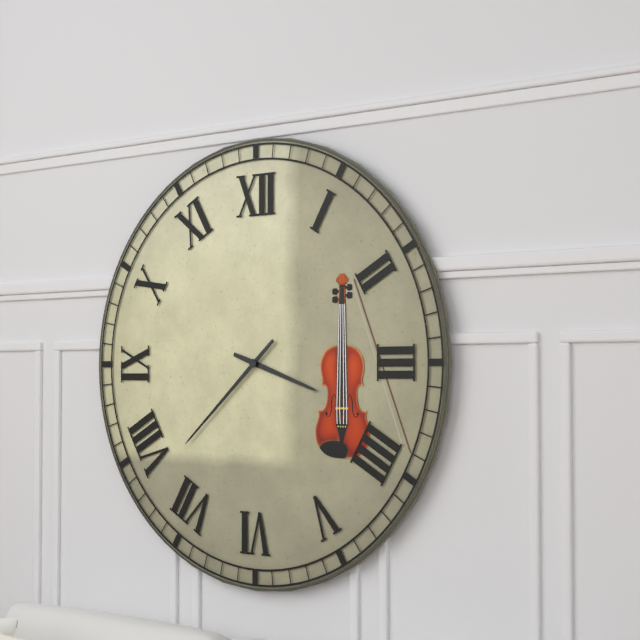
3:38
